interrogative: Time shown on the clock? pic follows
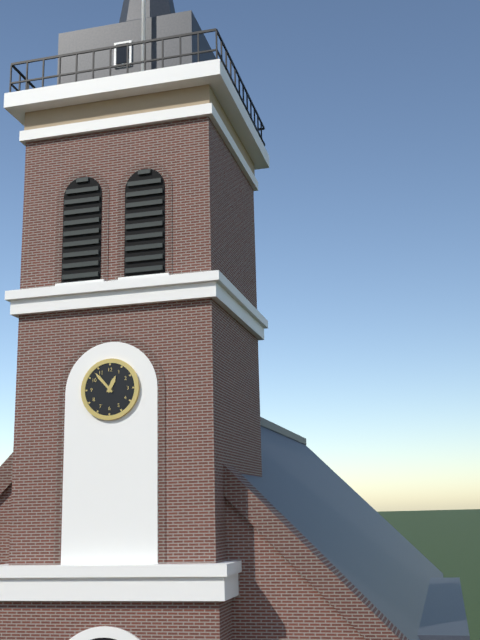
12:53
